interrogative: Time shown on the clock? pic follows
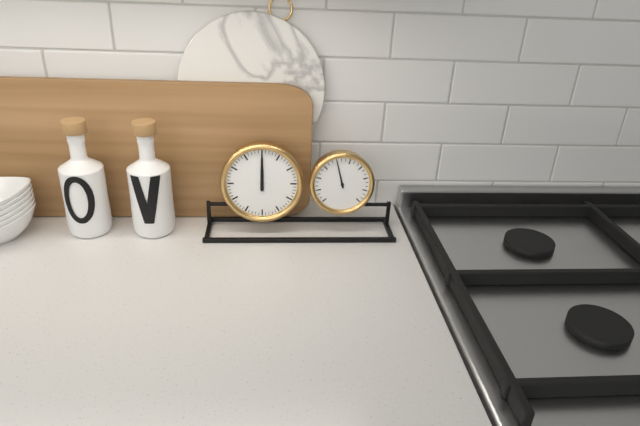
12:00
